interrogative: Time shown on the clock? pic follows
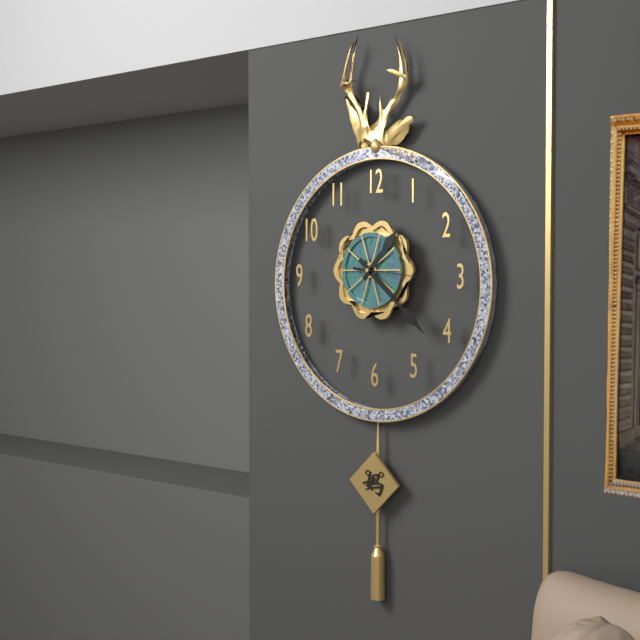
1:22:16
